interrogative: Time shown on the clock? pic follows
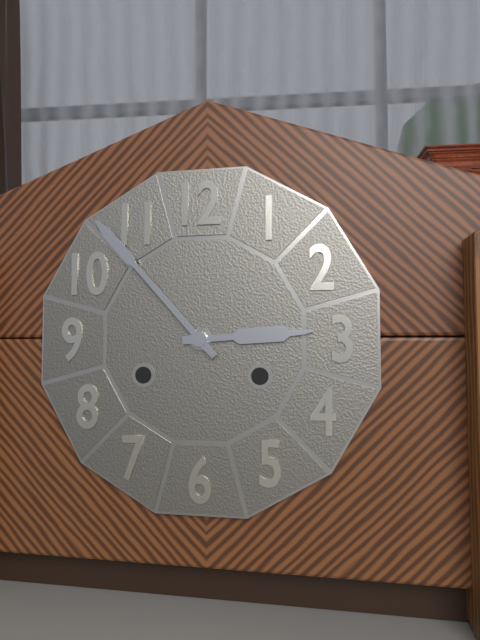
2:53
